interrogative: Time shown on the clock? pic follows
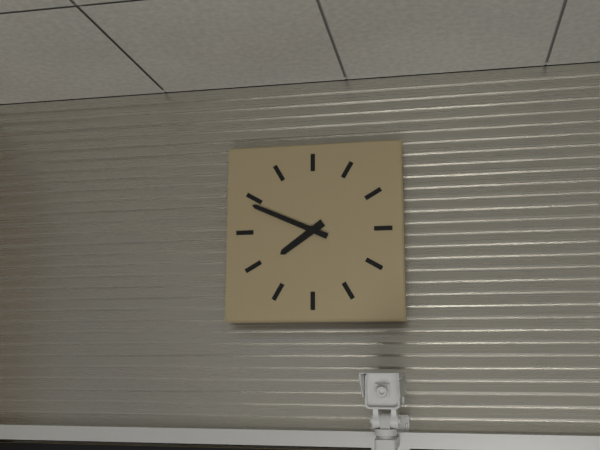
7:49
